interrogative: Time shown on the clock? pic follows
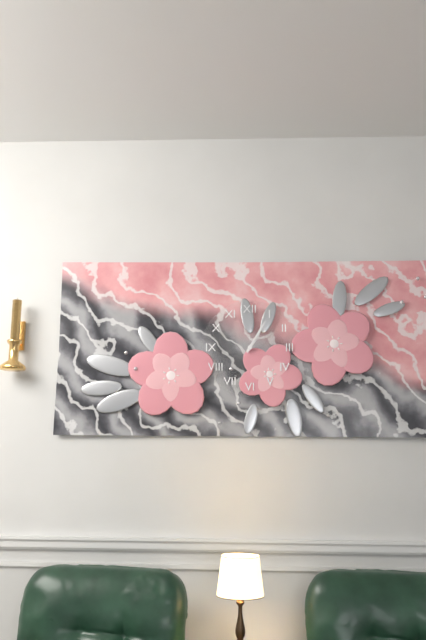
1:05
